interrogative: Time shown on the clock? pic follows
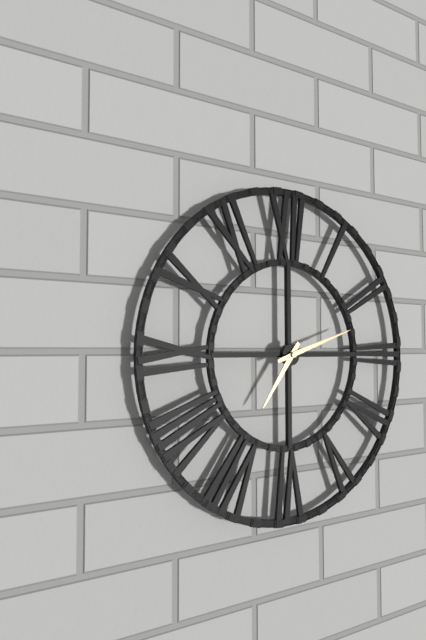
7:12
